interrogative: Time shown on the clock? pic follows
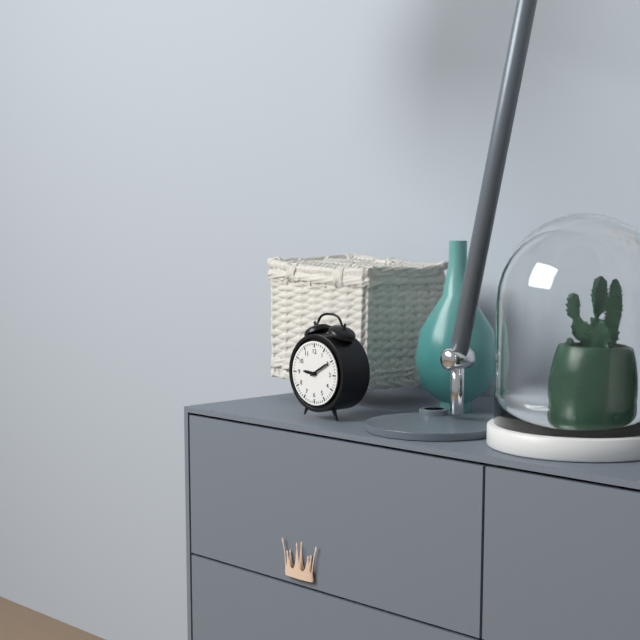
9:10
